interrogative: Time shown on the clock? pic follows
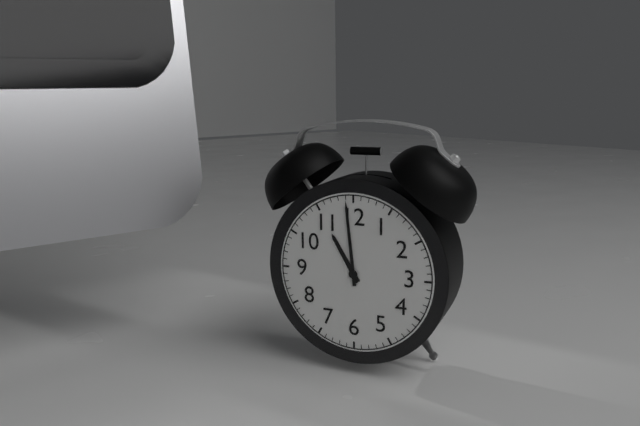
10:59
